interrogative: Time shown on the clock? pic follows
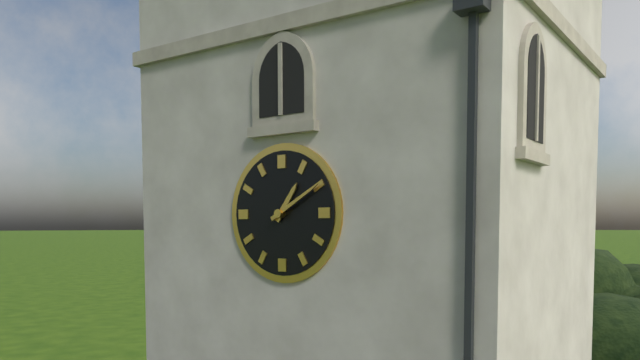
1:10
